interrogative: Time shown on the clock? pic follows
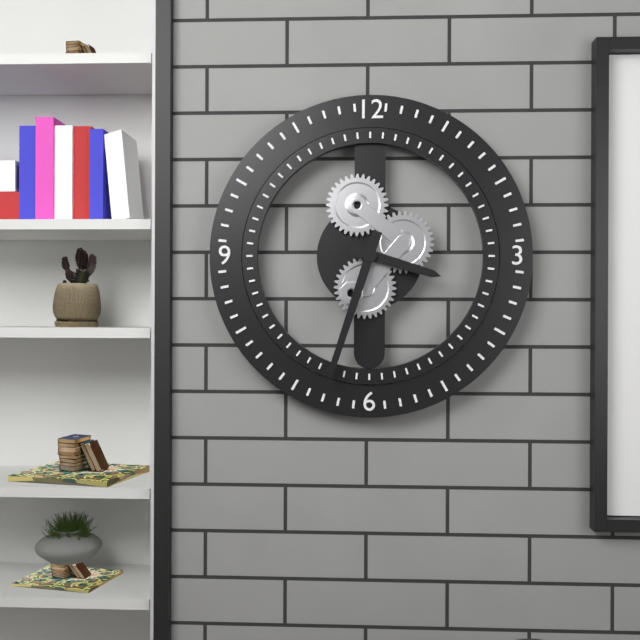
3:33
